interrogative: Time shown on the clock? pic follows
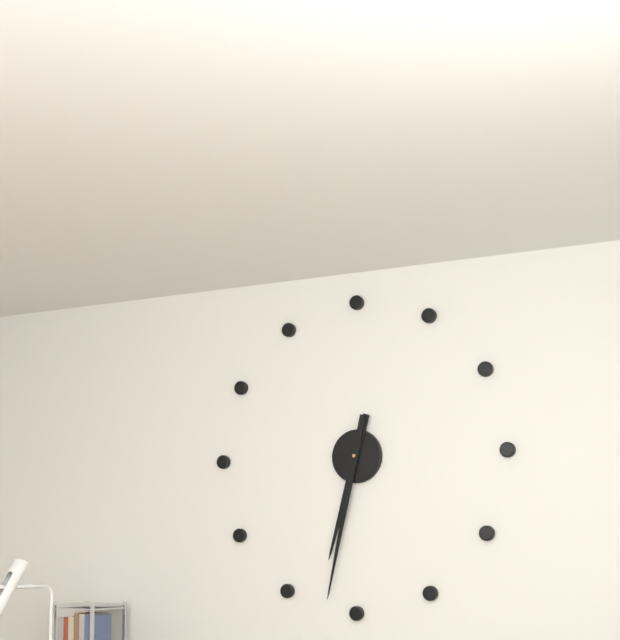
6:32
